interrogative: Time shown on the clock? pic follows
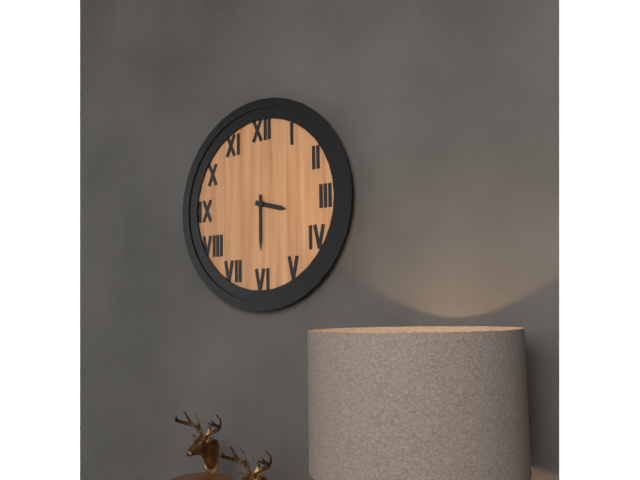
3:30
